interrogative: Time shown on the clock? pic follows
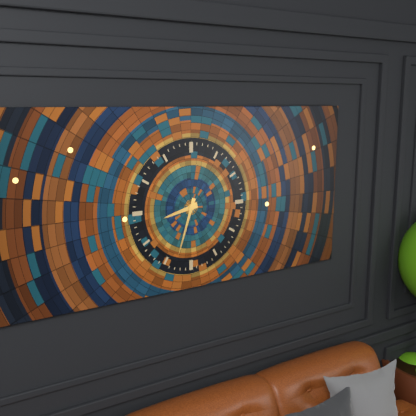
8:33
